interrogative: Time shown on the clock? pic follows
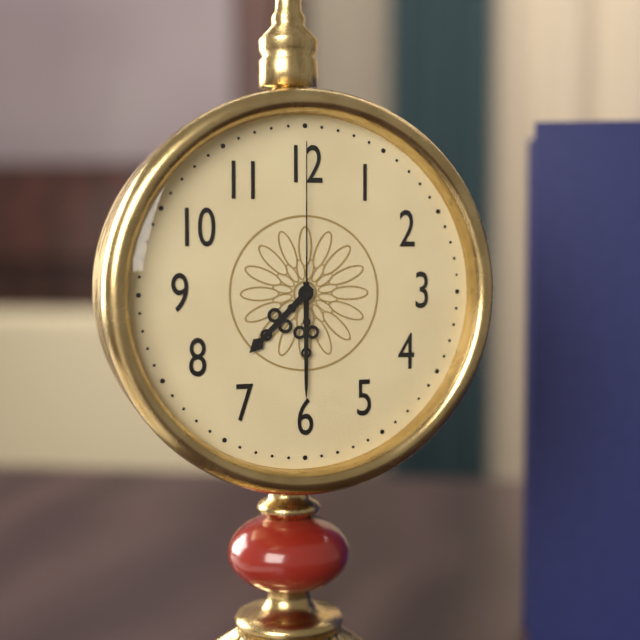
7:30:00
